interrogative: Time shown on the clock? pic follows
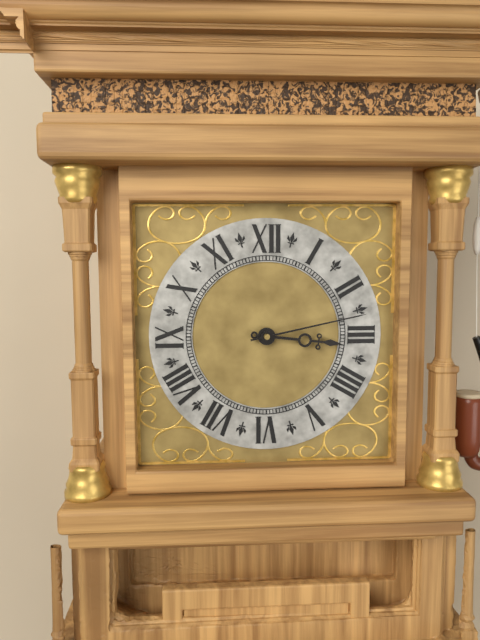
3:13
